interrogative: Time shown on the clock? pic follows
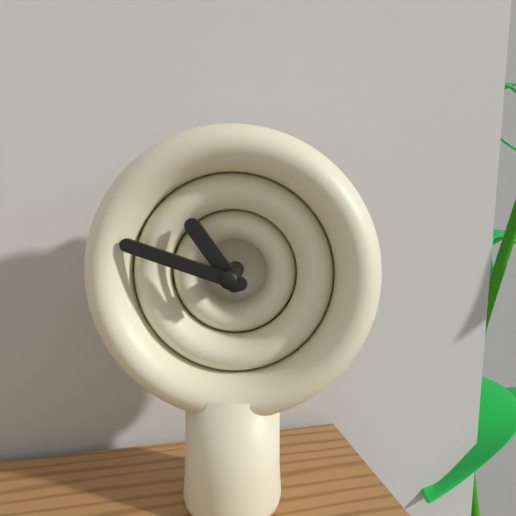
10:48
